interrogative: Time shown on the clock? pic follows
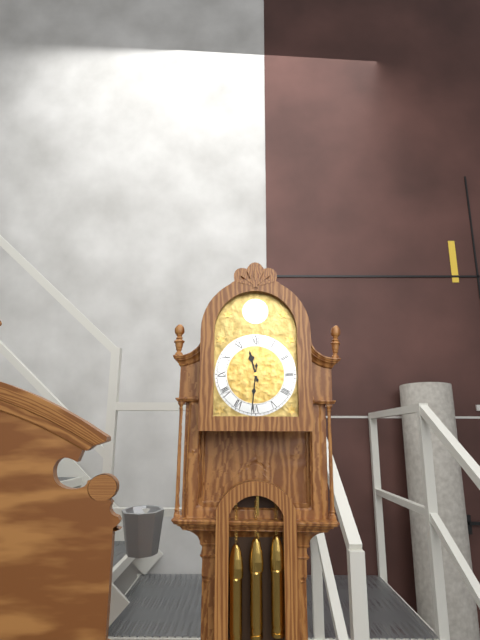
11:31
